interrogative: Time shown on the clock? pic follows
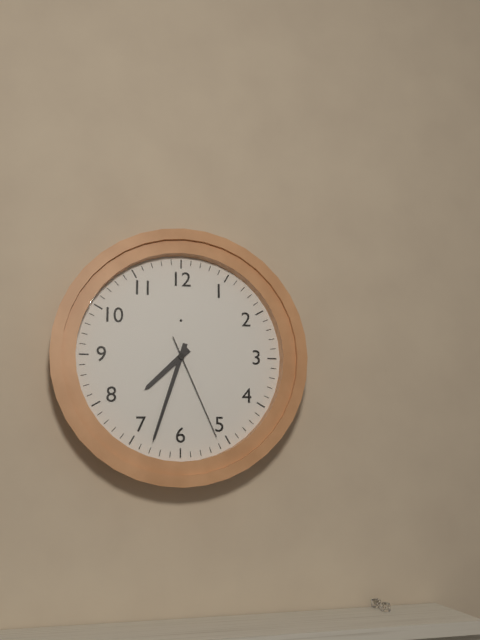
7:33:26
